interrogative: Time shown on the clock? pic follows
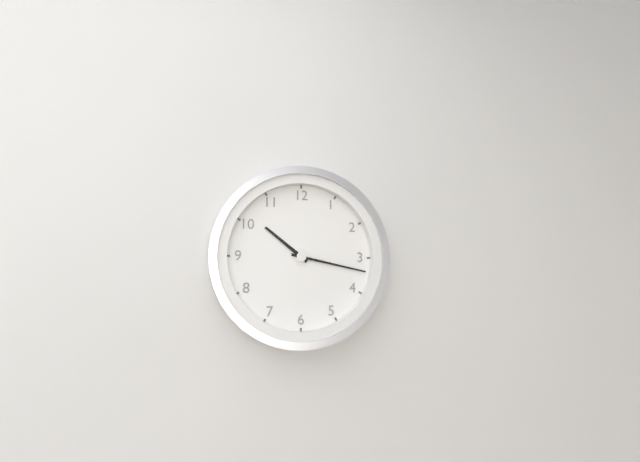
10:17
